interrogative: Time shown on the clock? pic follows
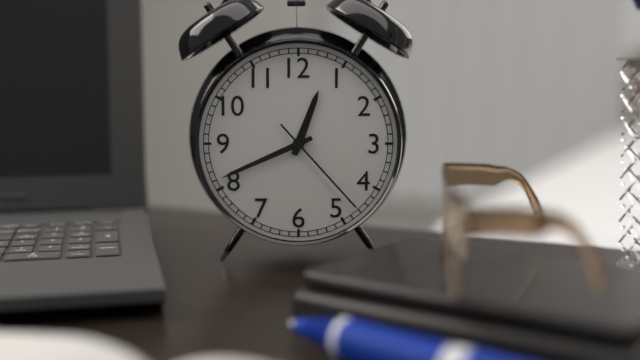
12:41:23
